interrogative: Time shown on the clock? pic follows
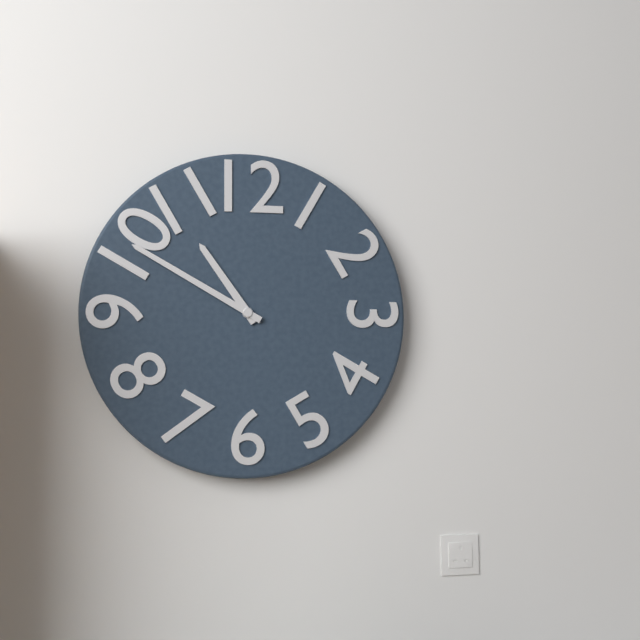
10:50
